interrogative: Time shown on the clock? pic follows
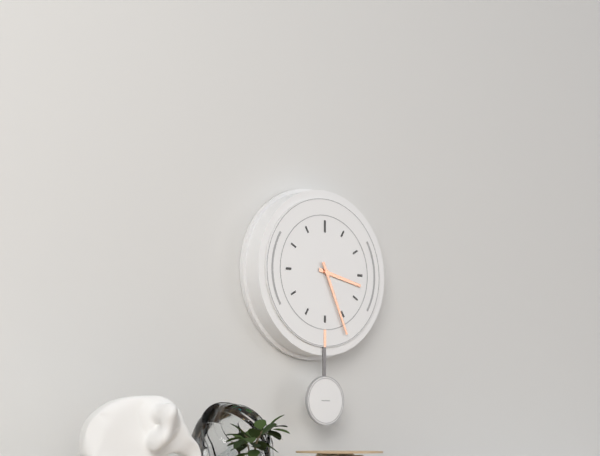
3:26
